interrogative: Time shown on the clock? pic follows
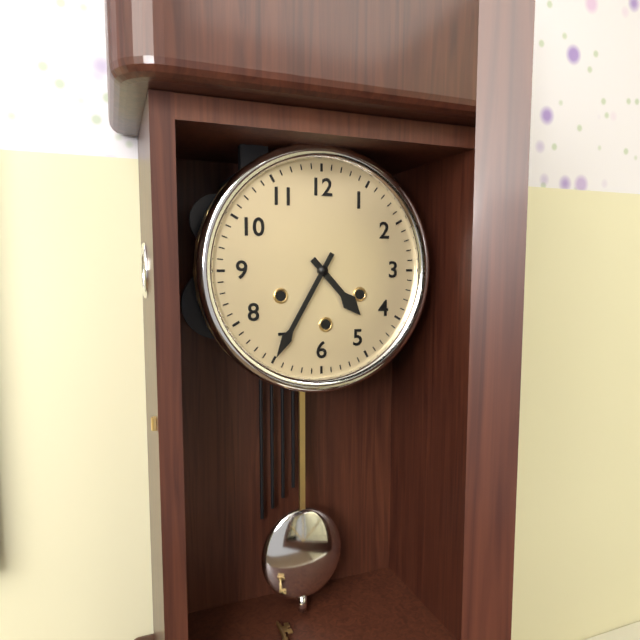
4:35
